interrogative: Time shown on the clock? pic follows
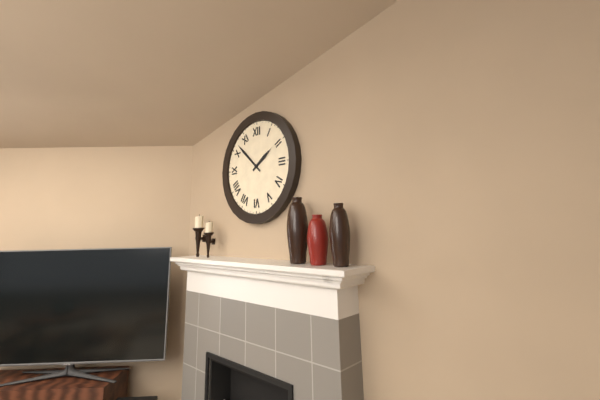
1:52
